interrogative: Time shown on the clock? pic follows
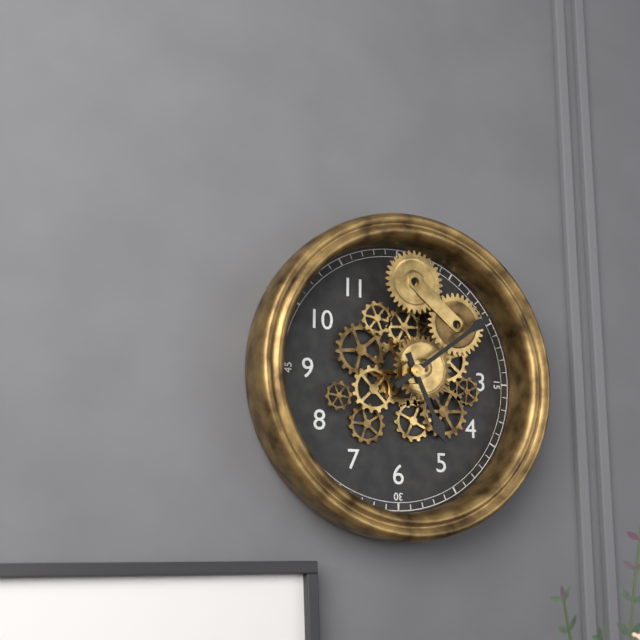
5:09
